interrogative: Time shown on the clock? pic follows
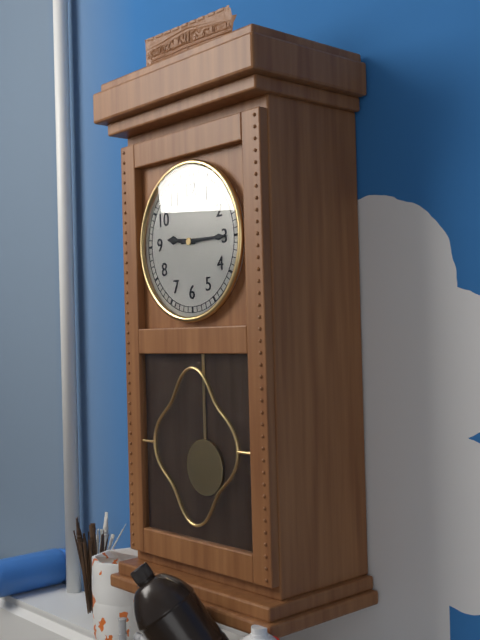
9:15
